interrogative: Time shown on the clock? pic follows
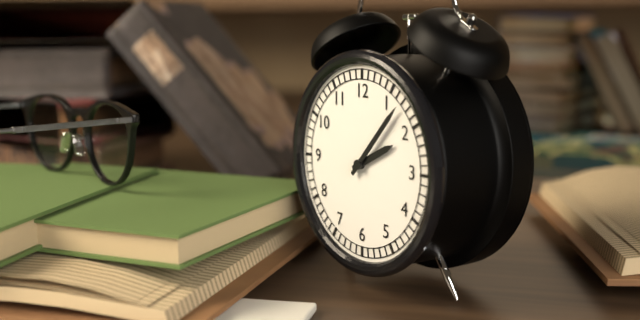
2:07
